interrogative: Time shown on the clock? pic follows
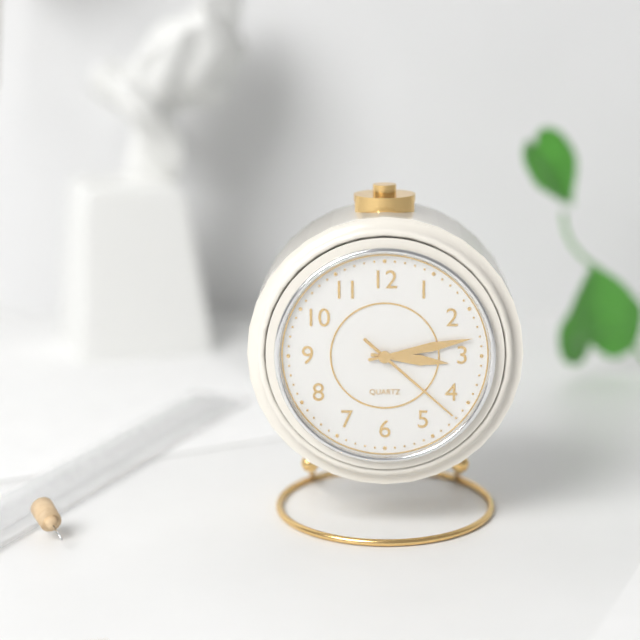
3:13:22
